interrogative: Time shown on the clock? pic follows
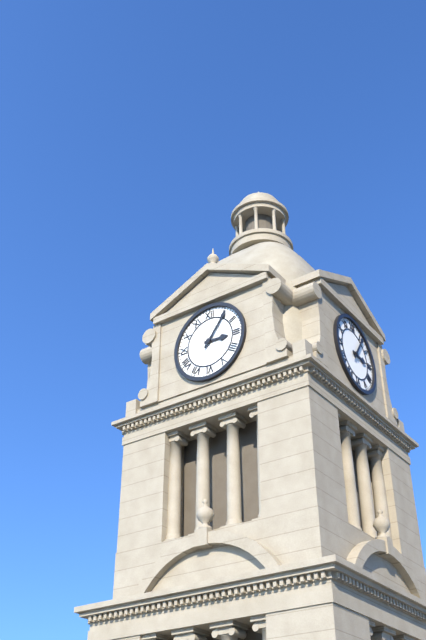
3:06
